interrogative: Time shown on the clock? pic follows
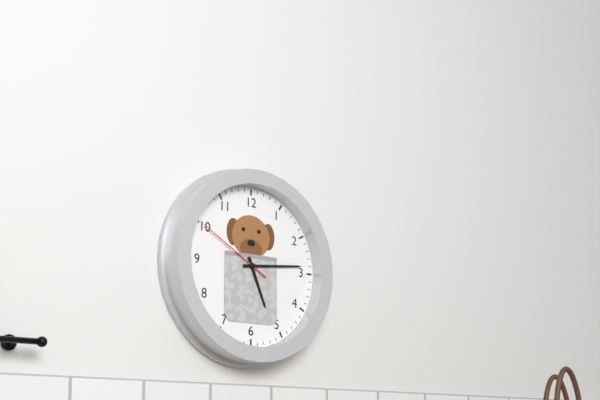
5:14:50
